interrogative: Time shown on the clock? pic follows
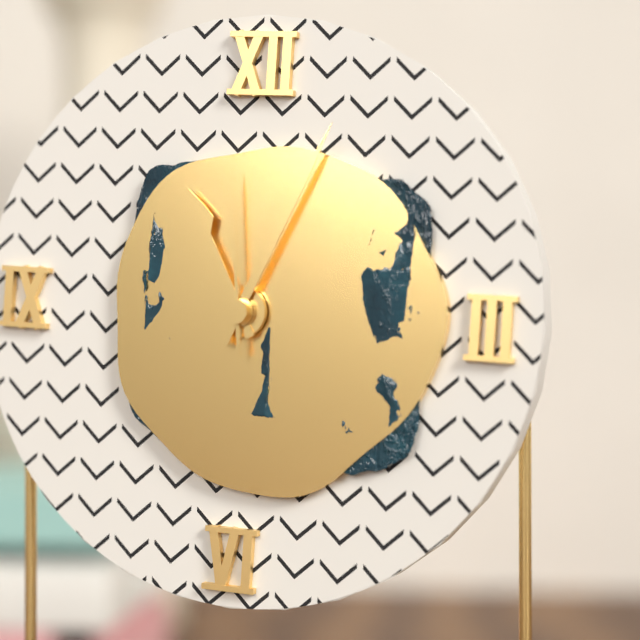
11:04:59
